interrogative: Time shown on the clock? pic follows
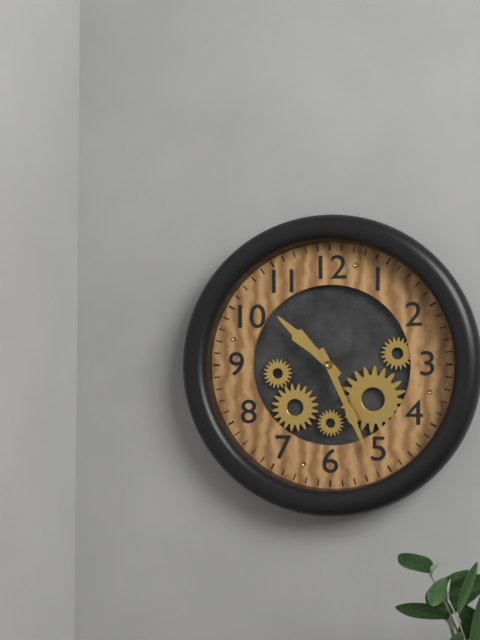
10:26
